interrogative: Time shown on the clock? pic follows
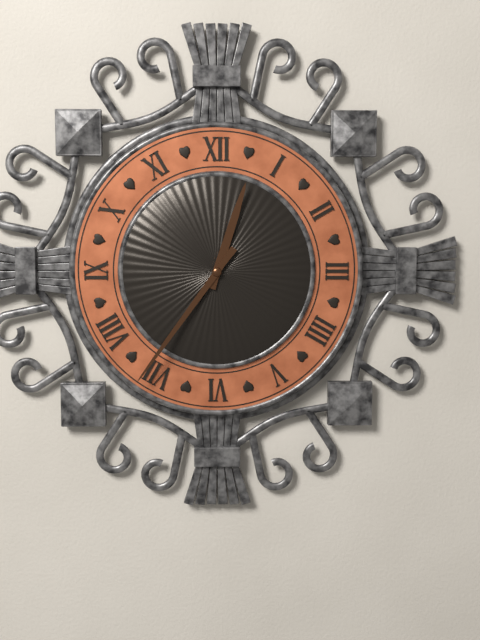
12:36
